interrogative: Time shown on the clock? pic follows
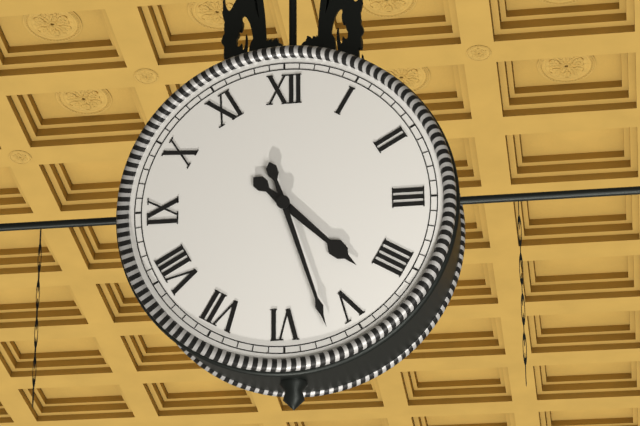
4:27
